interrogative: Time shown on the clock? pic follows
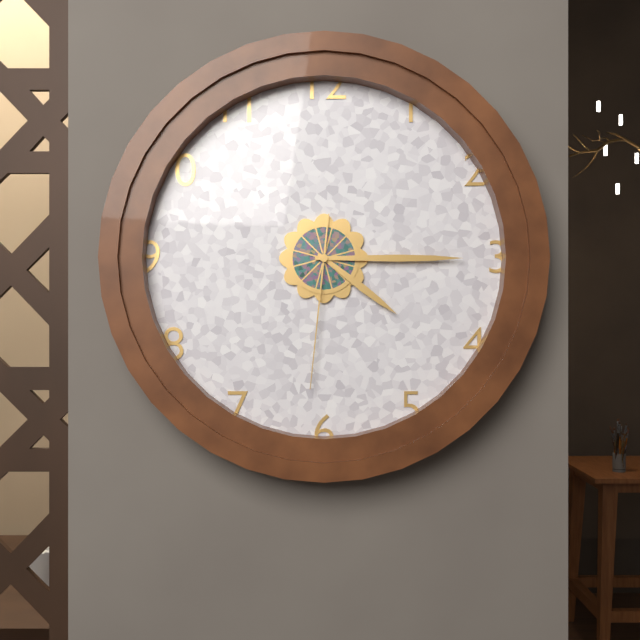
4:15:31
